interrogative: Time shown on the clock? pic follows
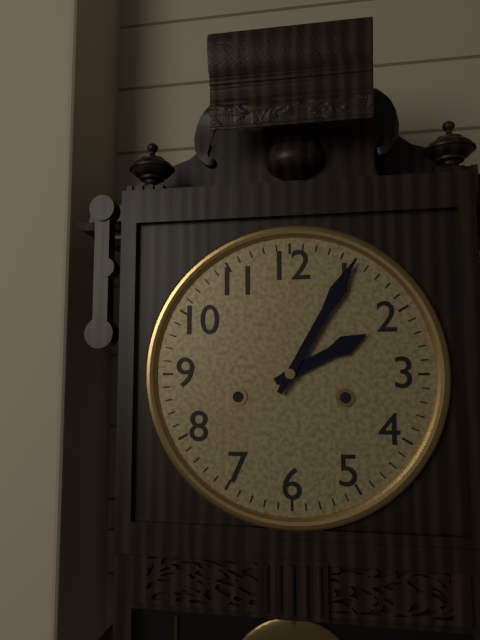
2:05
